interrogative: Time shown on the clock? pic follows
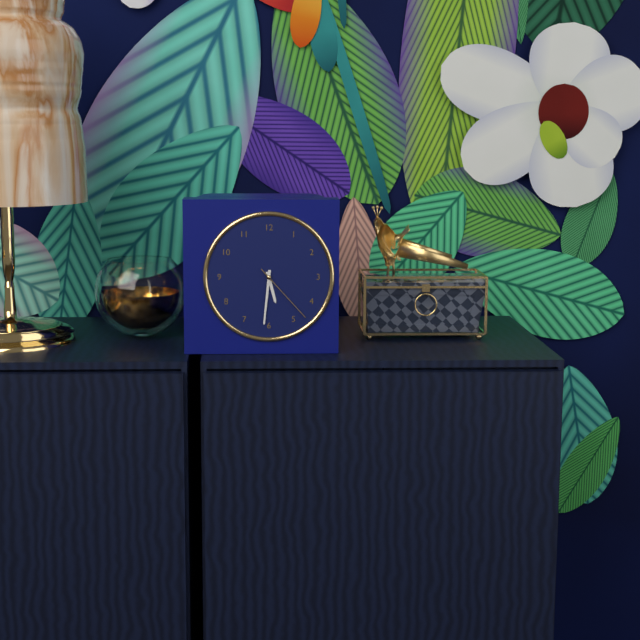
5:31:23
